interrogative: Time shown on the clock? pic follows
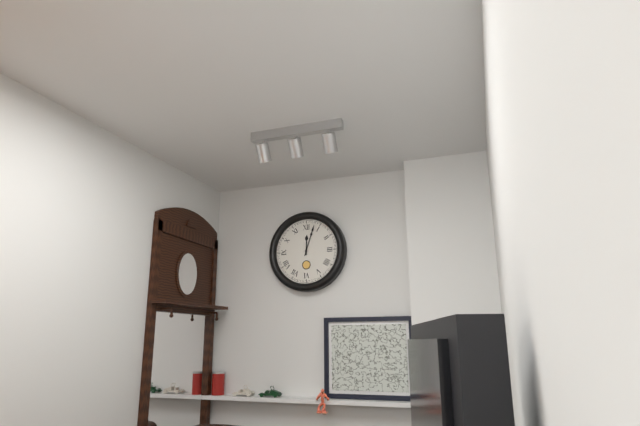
12:03
